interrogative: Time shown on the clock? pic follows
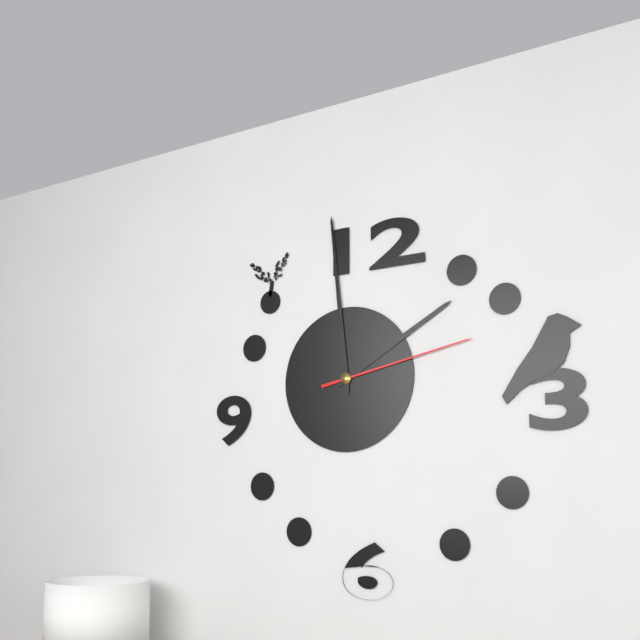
1:59:13
